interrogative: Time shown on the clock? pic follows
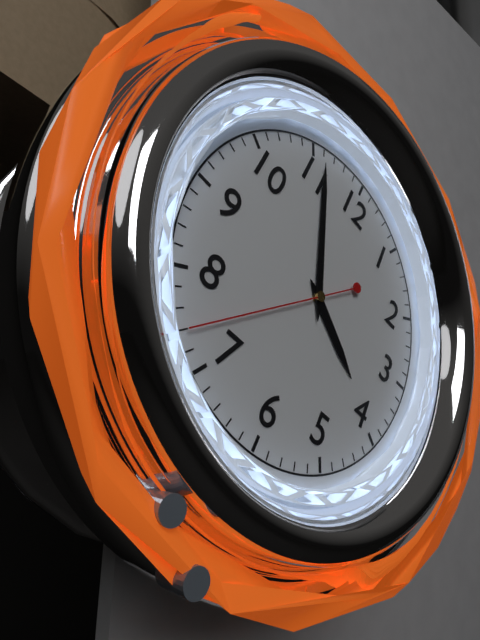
3:56:37
